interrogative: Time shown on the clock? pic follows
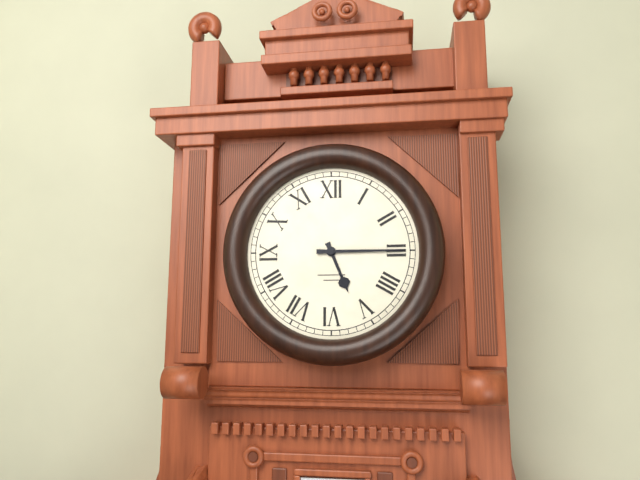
5:15
